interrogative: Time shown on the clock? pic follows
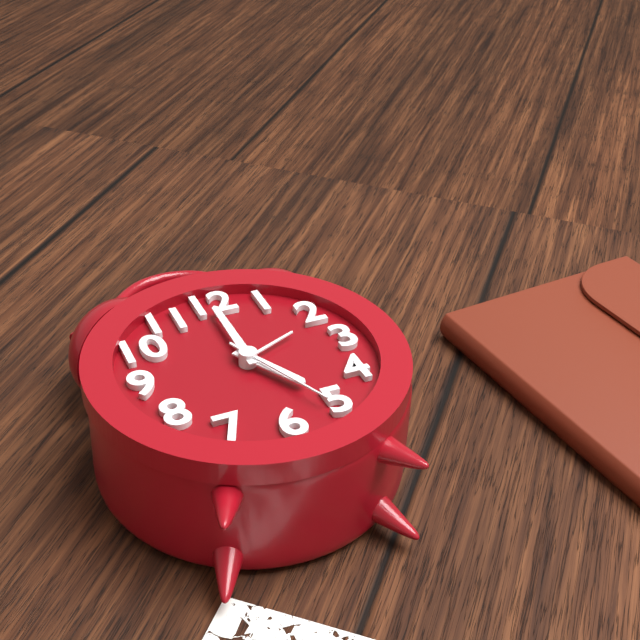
5:00:26
